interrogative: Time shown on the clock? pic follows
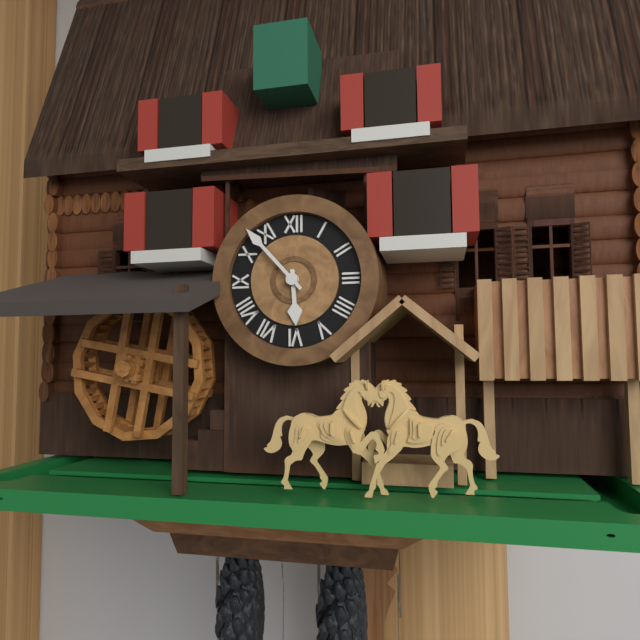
5:53
